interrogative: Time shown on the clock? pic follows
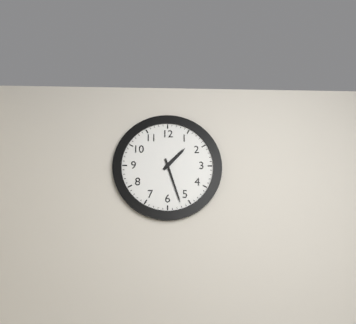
1:27
